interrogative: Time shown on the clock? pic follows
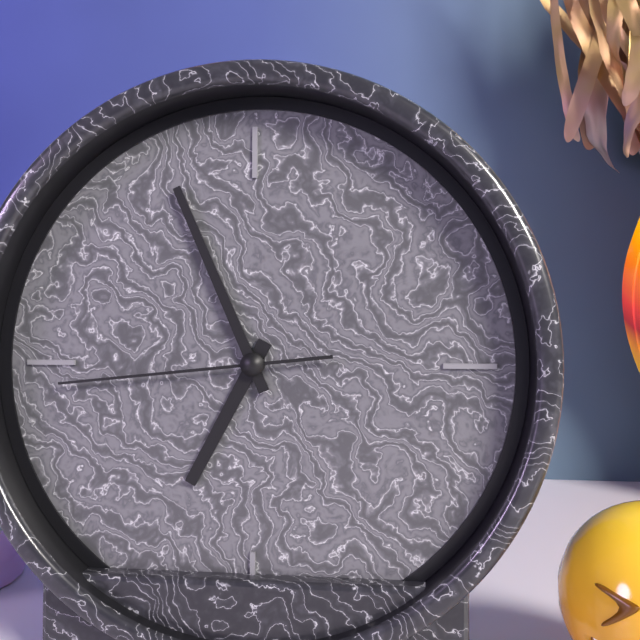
6:56:44
